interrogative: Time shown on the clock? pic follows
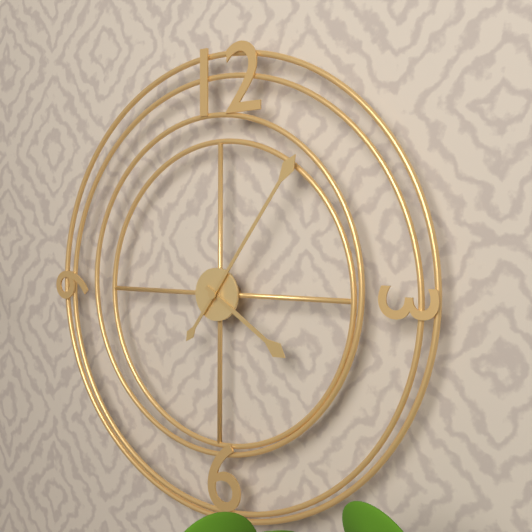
4:06
